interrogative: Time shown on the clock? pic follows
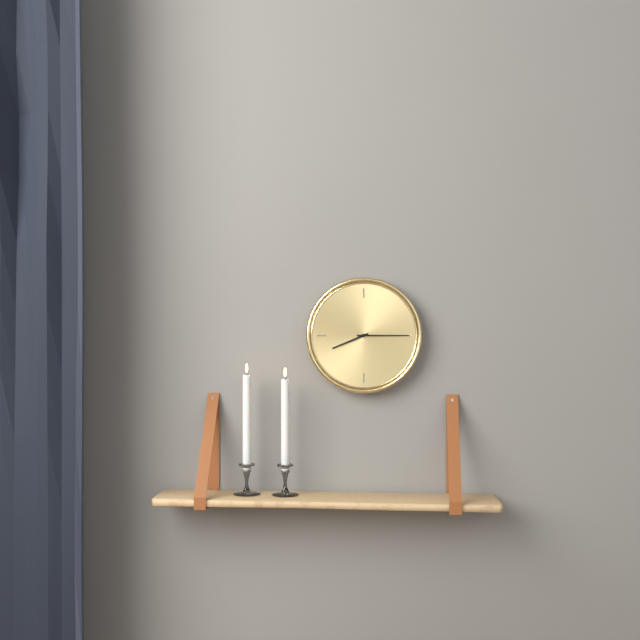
8:15
